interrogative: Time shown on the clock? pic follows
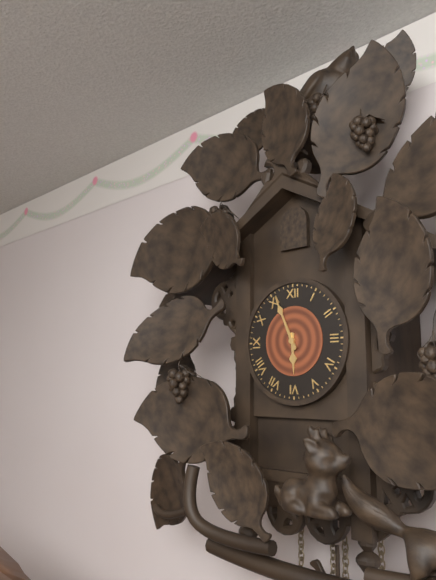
5:56
